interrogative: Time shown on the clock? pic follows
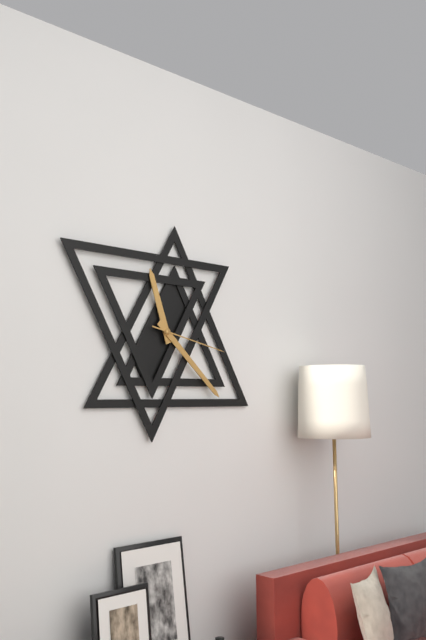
11:22:17
